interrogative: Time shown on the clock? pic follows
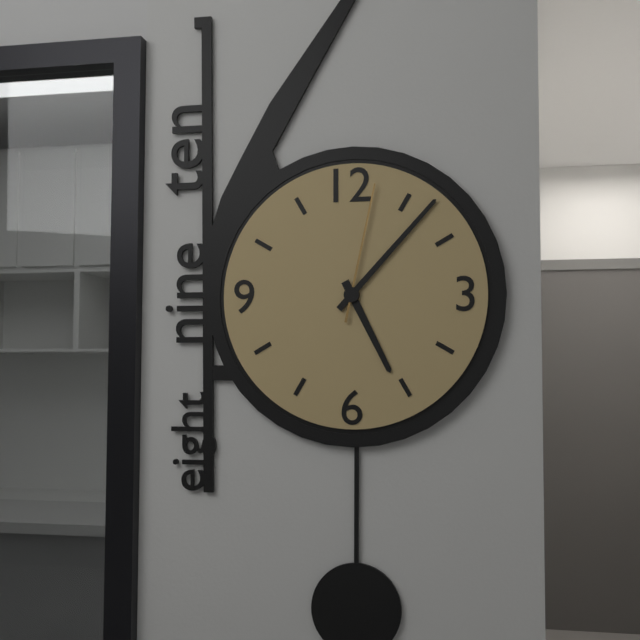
5:07:02
